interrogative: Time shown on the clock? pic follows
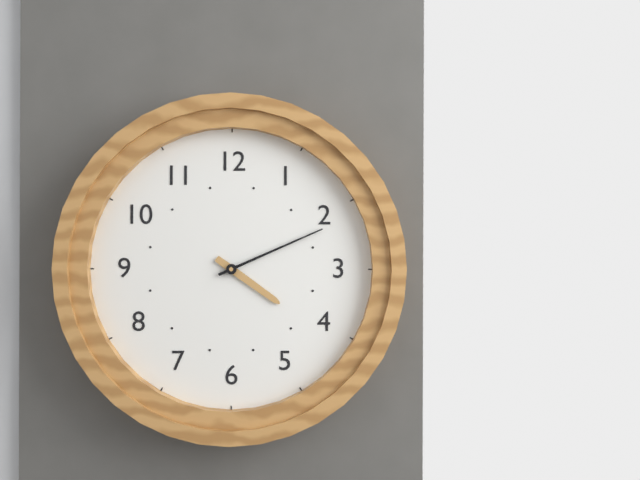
4:11
